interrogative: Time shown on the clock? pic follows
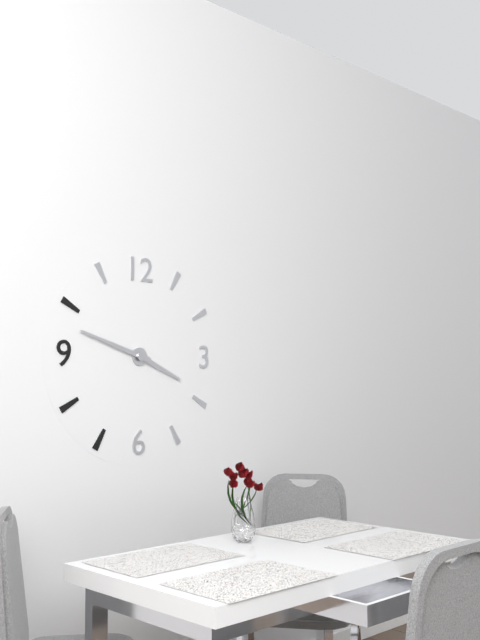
3:48
